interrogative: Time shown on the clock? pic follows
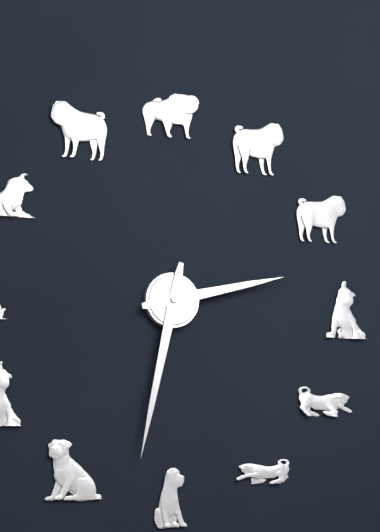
2:32
